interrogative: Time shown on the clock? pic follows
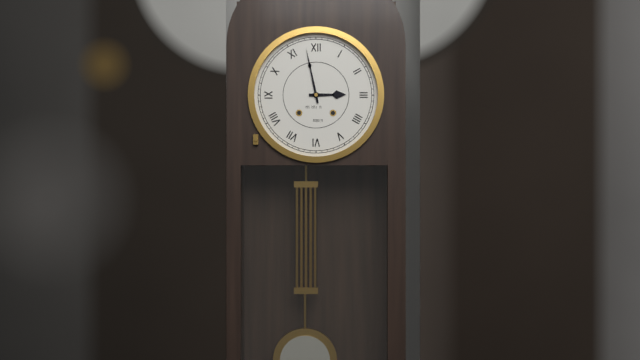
2:58
